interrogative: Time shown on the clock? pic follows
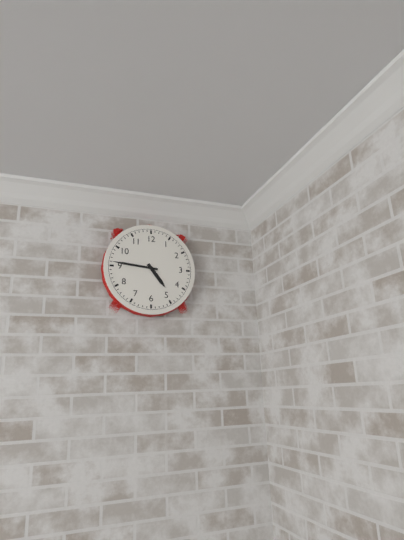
4:46
